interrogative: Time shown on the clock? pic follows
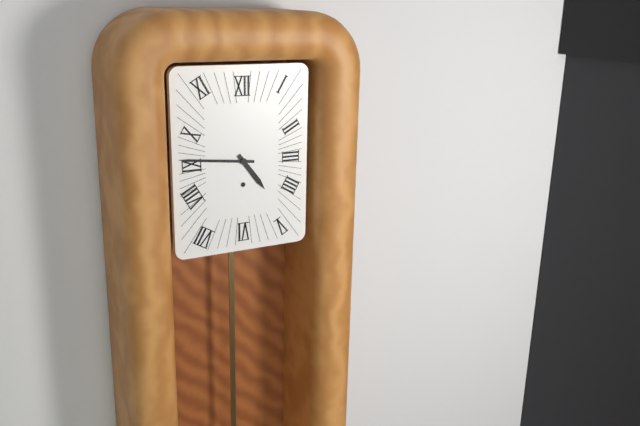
4:46
